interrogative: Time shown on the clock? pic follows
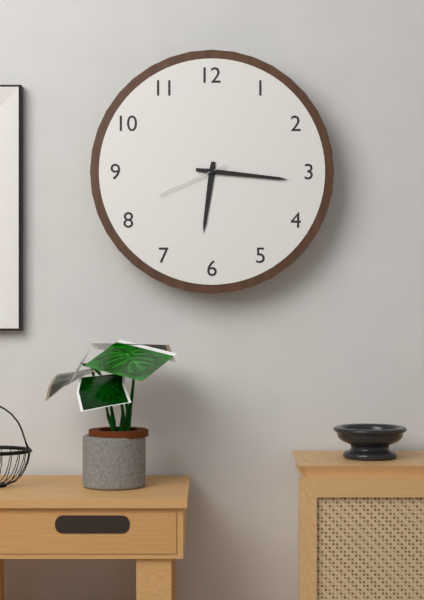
6:16:41
